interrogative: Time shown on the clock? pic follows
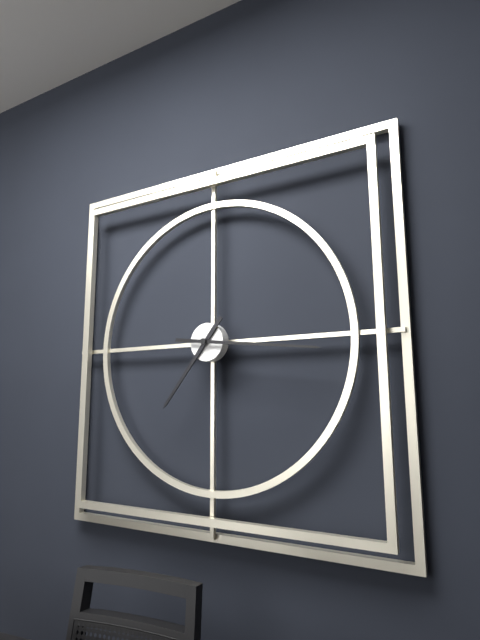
7:16
